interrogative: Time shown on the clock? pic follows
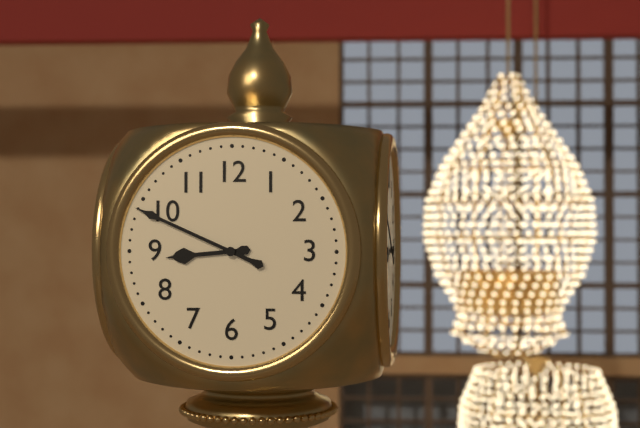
8:49
